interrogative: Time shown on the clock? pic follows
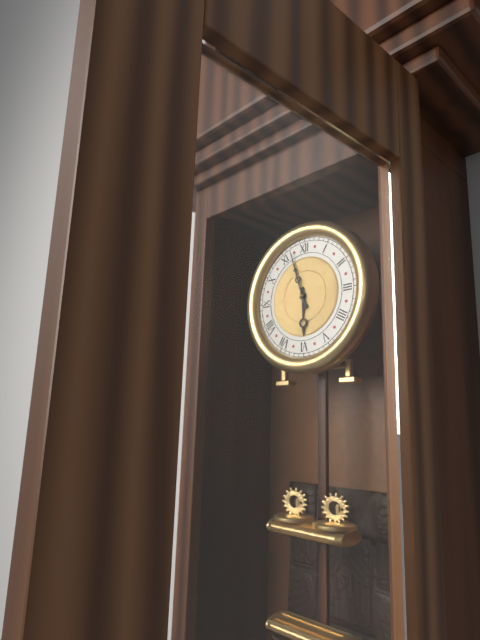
5:57
